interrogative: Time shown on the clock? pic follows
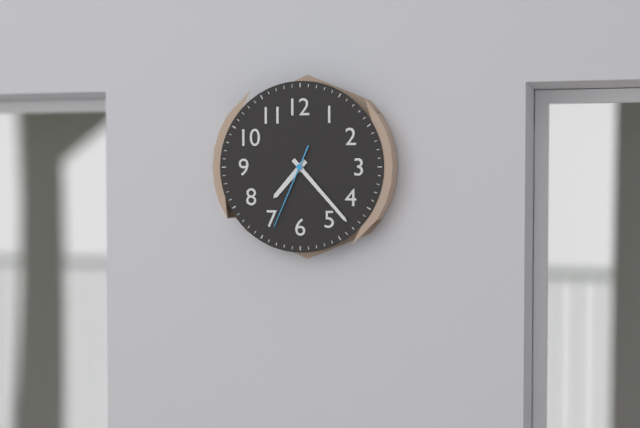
7:23:34
